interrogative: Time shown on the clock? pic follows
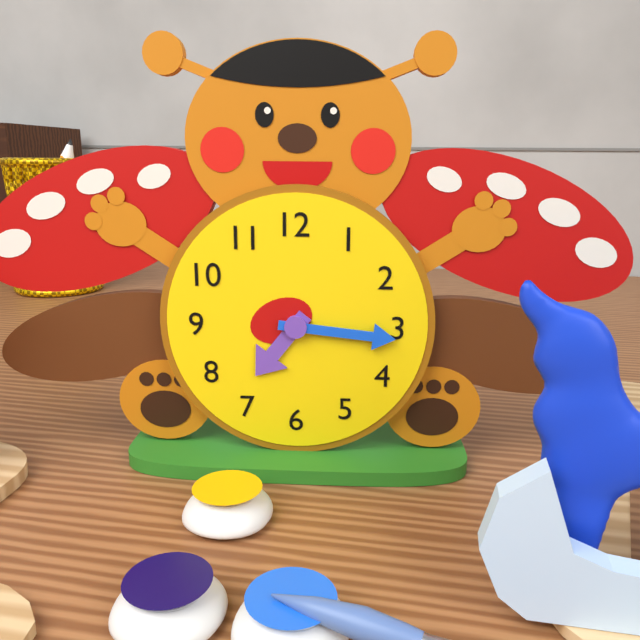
7:16
